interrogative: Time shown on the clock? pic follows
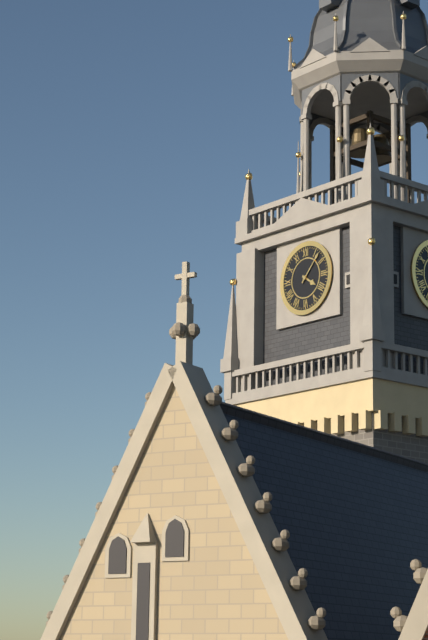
4:07
